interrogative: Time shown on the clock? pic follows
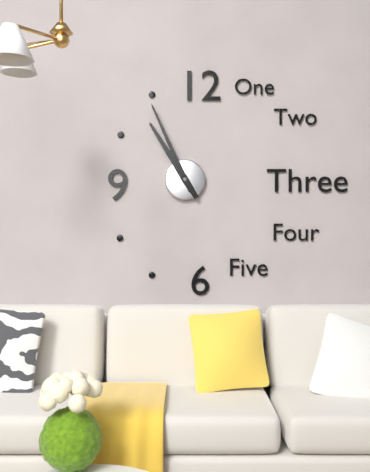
10:56
